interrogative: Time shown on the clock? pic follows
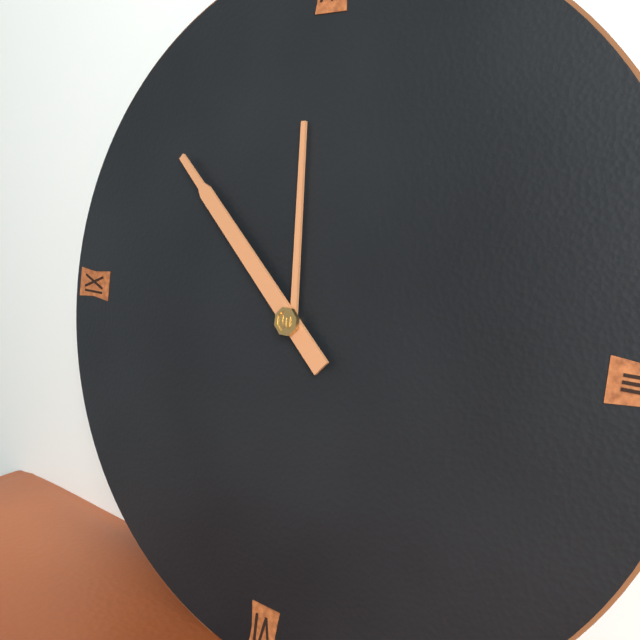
11:52
